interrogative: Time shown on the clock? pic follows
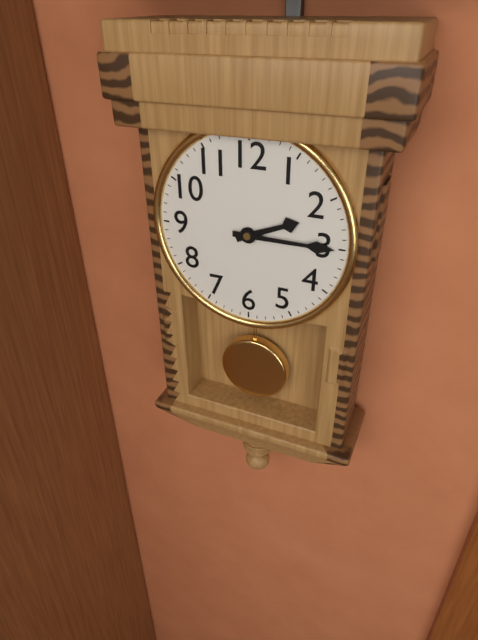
2:15
